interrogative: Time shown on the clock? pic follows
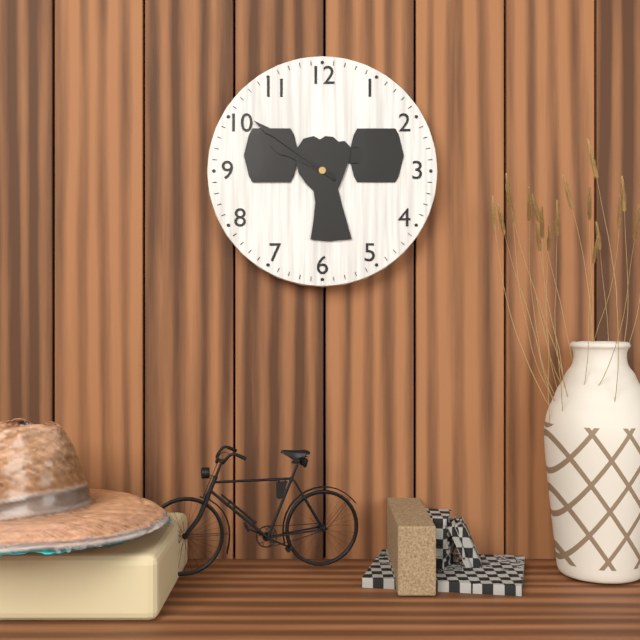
9:51
